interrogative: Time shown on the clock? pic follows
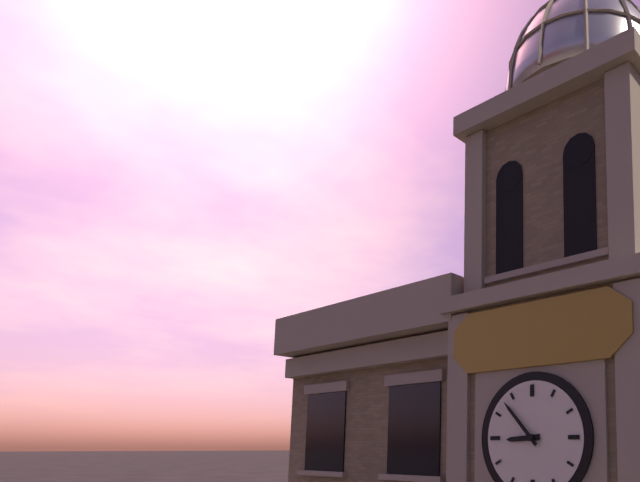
8:53
